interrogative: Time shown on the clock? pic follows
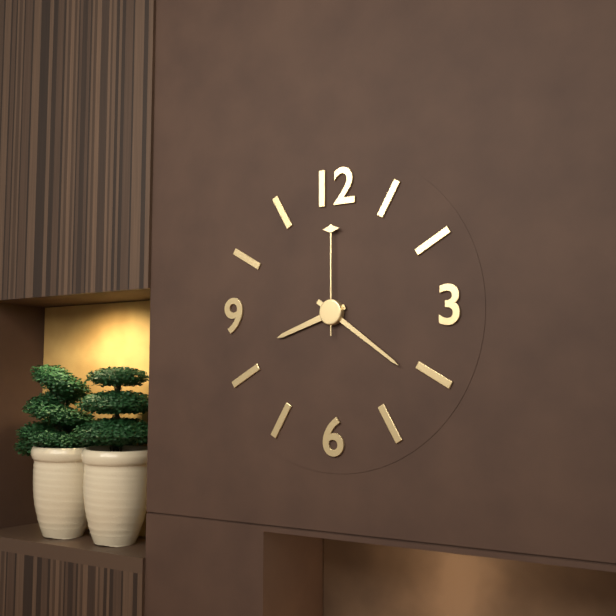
8:21:00
